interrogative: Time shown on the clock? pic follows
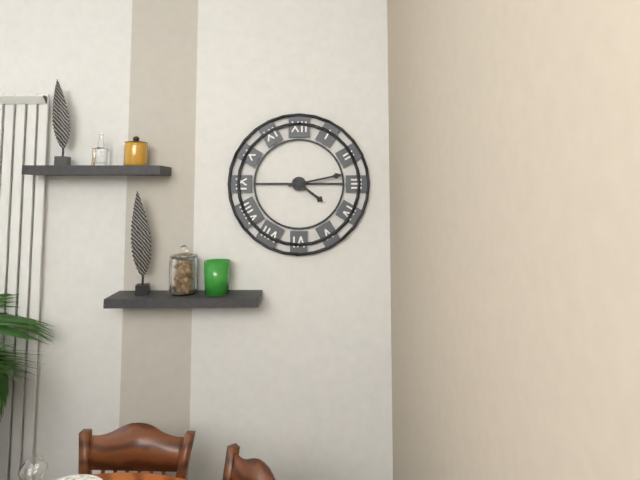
4:13
